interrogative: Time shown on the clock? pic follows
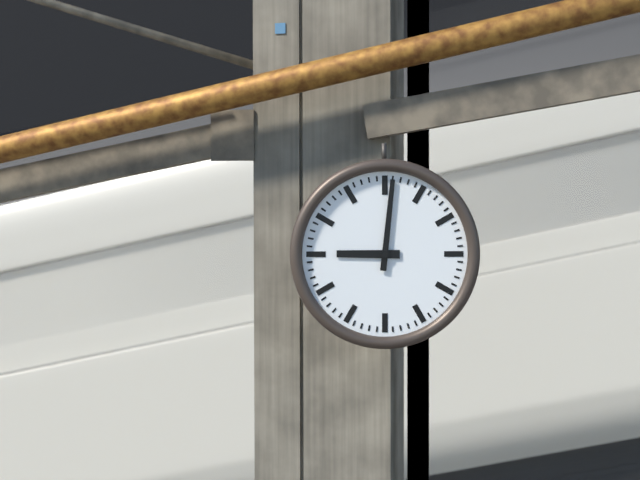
9:01
